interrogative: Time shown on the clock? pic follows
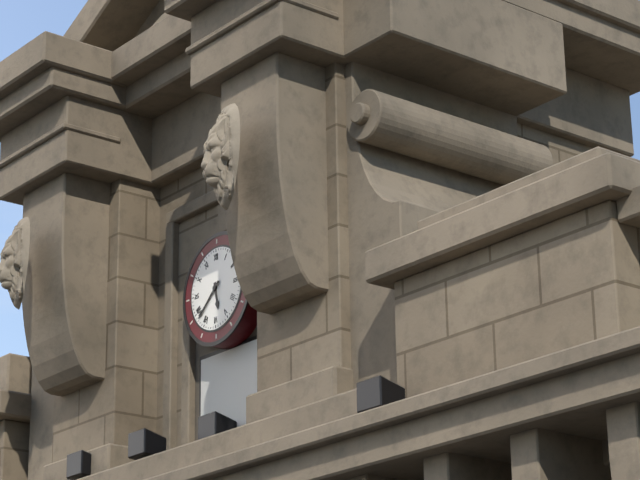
5:38
